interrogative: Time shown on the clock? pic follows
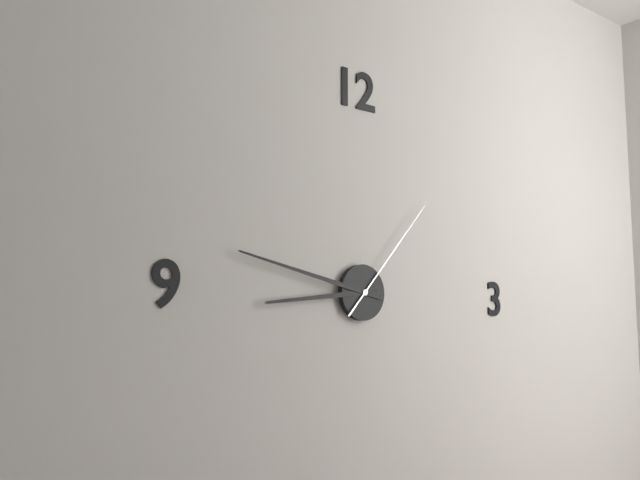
8:47:07
